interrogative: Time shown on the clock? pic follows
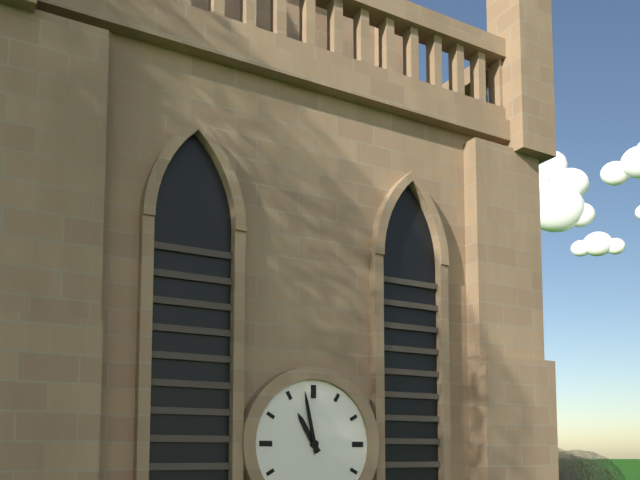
10:58
